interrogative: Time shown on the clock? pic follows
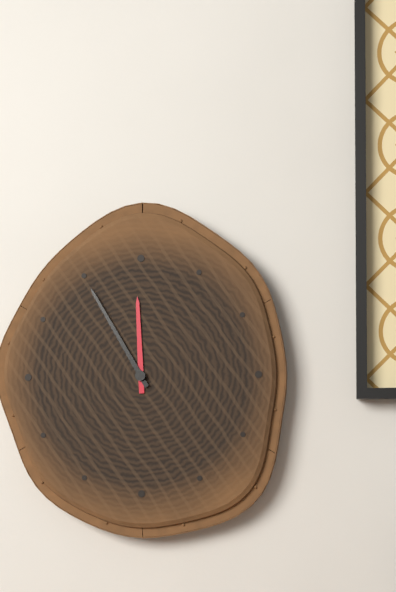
11:55
